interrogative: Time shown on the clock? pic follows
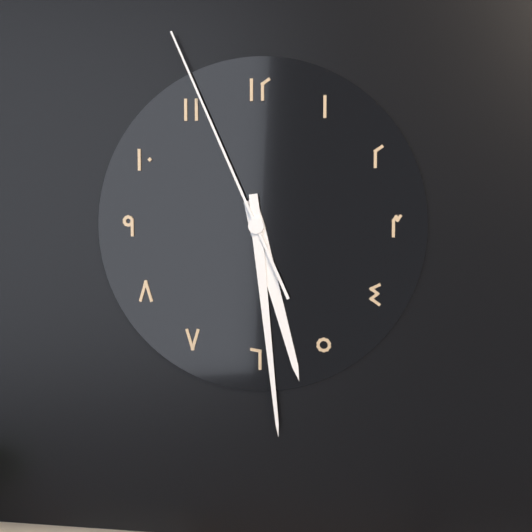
5:29:56
